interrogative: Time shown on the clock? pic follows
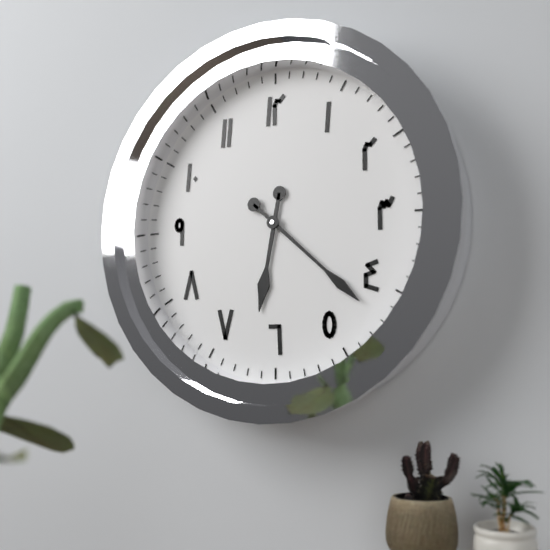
6:22
